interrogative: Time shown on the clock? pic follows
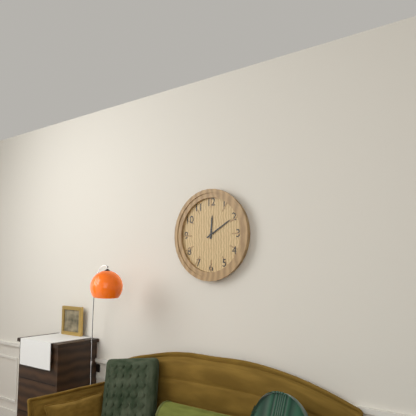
12:10
